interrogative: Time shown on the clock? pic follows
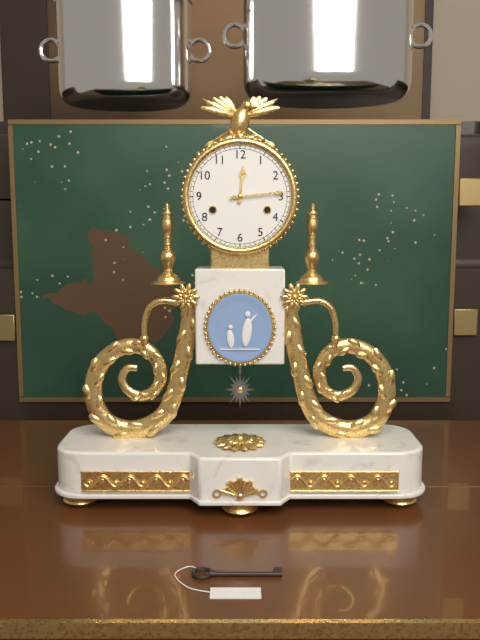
12:14
